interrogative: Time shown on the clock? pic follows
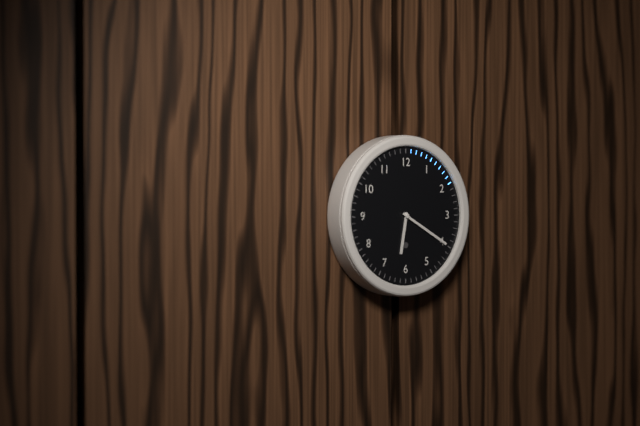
6:20
